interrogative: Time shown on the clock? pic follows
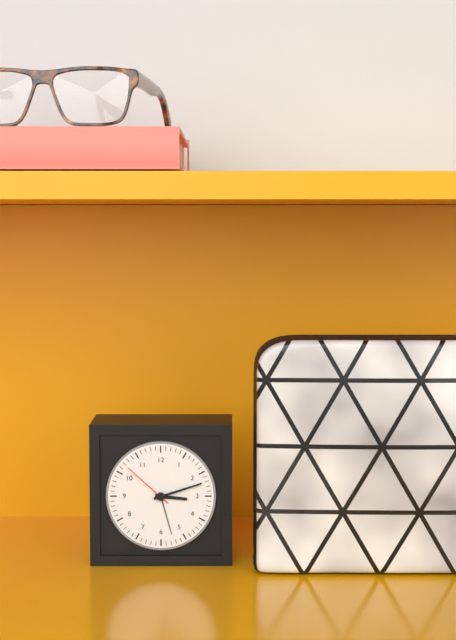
3:12:52
